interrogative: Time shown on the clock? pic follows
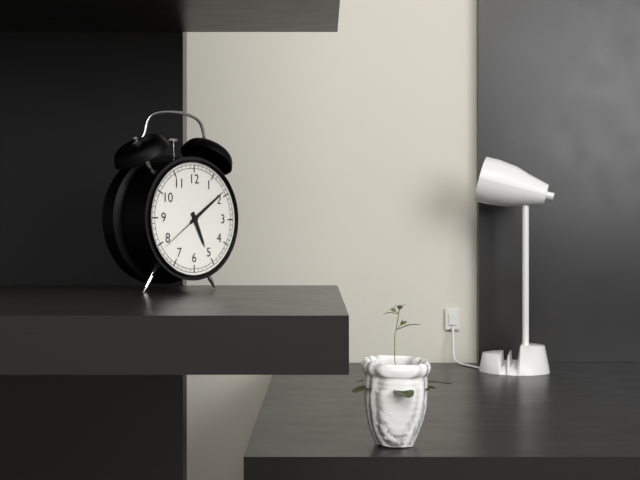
5:09:39
